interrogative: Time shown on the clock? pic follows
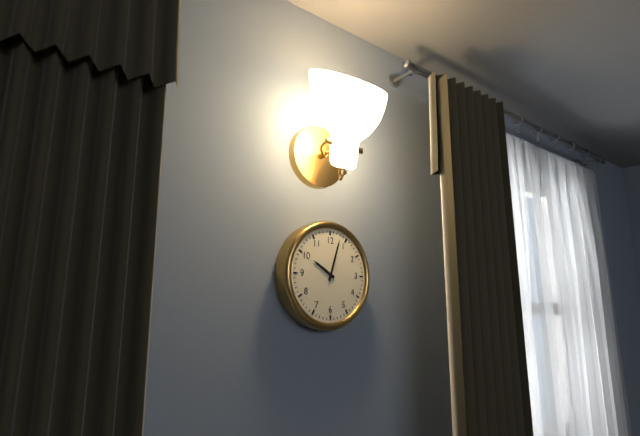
10:03
